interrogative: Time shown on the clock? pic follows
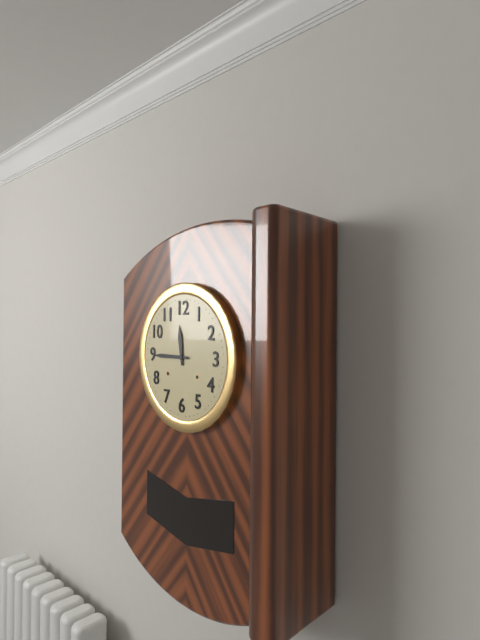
11:45
